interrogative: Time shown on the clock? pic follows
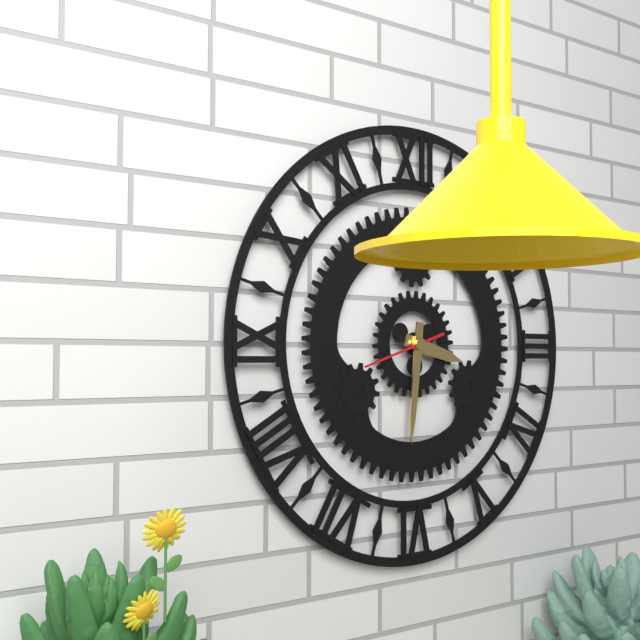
3:31:42
